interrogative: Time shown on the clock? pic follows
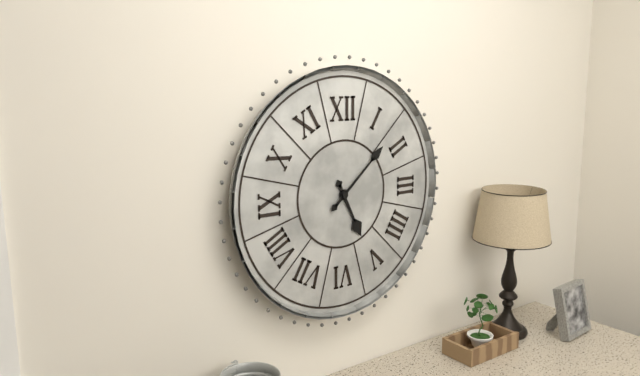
5:08
